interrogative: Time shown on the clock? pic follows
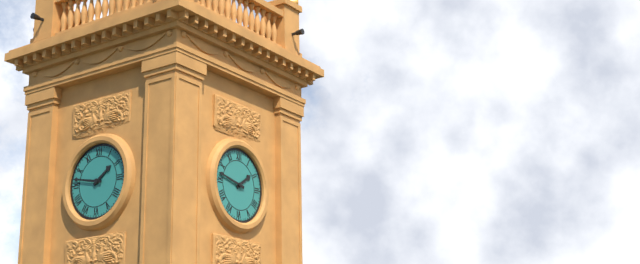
1:47
